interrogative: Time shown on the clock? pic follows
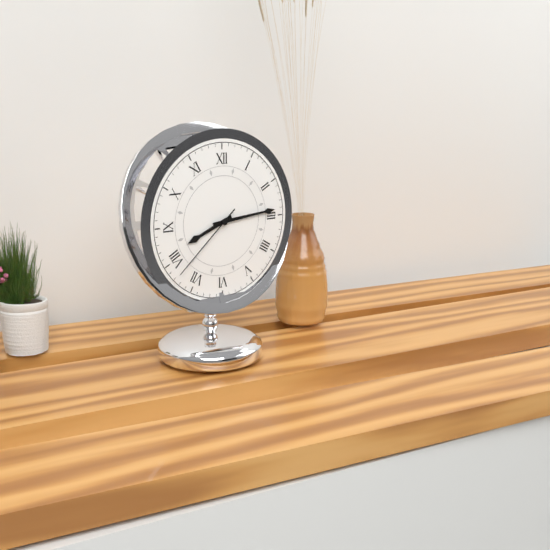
8:14:38
